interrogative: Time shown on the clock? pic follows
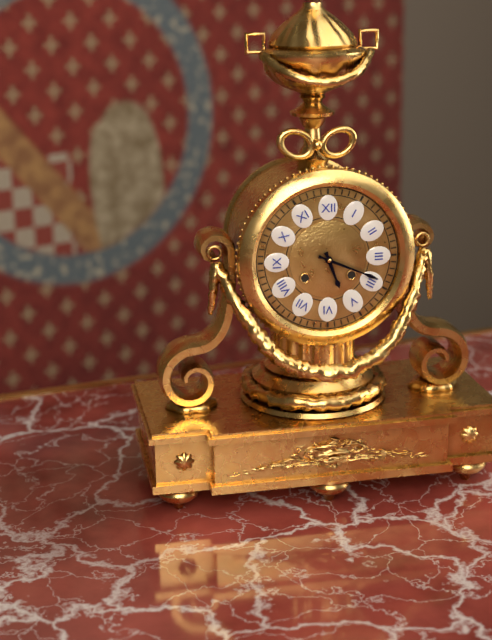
5:19
